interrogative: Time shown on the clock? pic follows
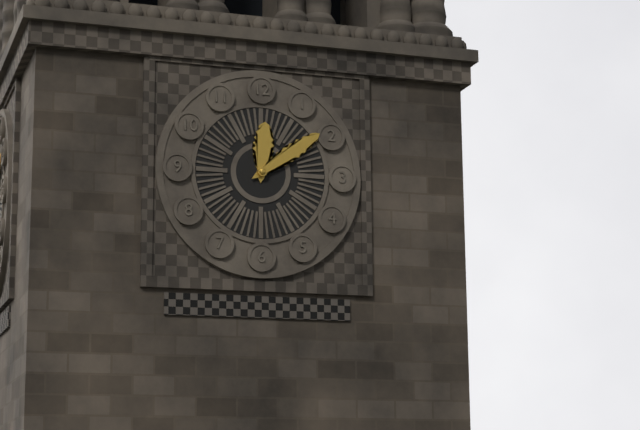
12:09
